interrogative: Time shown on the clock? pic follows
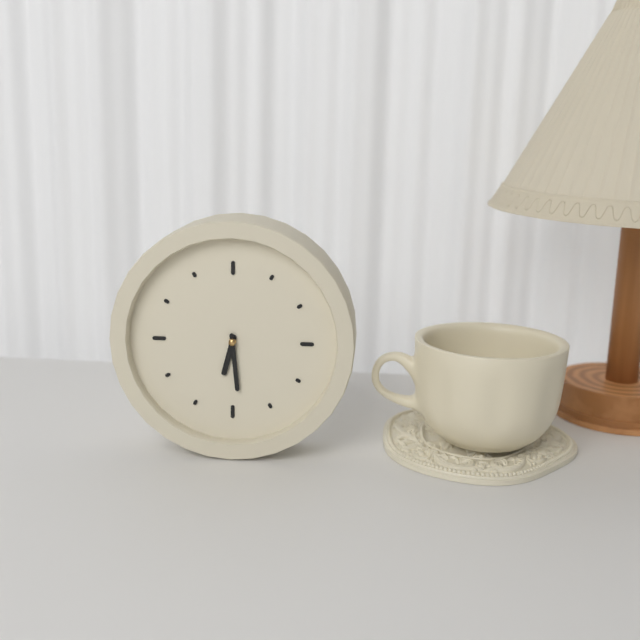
6:29
